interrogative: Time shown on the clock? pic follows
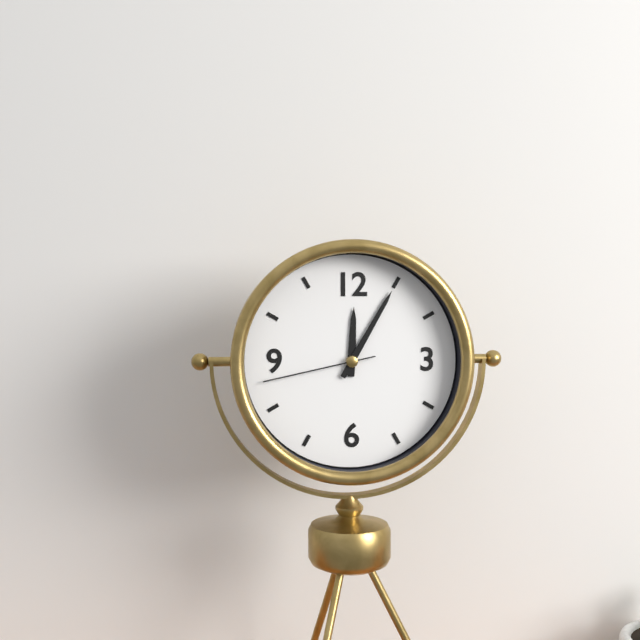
12:05:43
